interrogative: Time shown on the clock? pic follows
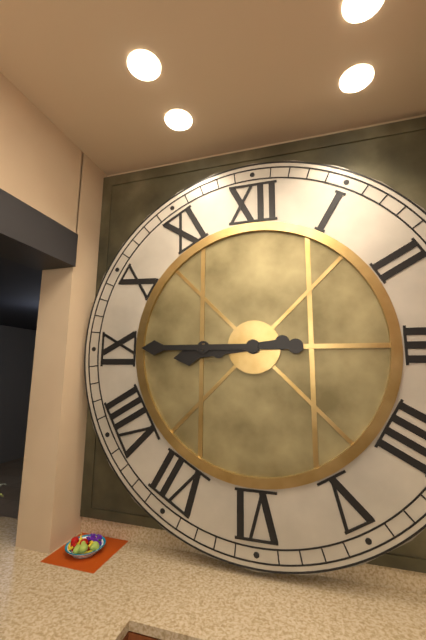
8:45
